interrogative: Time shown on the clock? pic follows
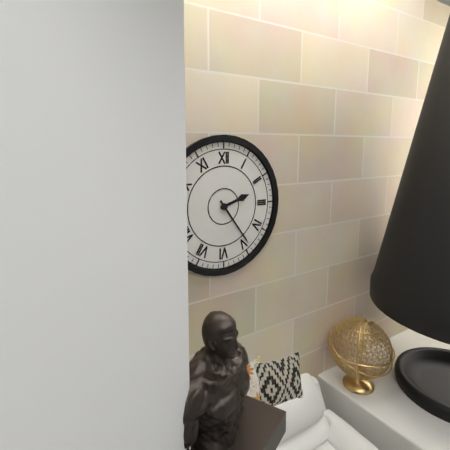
2:24
